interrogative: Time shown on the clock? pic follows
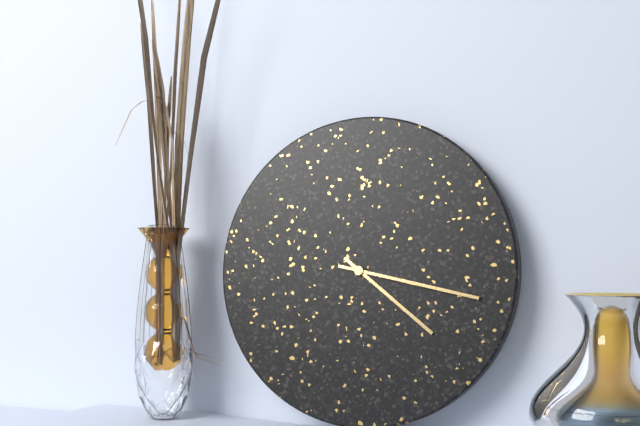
4:17
